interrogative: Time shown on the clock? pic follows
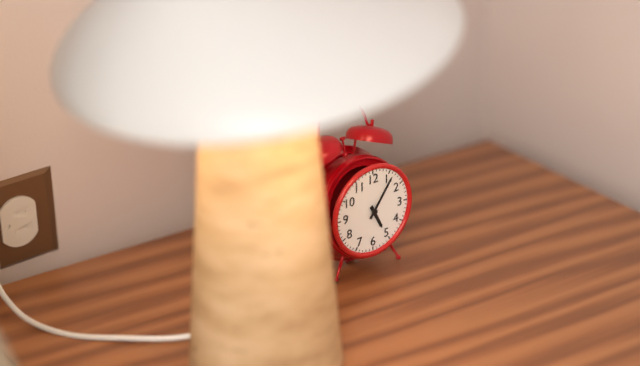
5:06
